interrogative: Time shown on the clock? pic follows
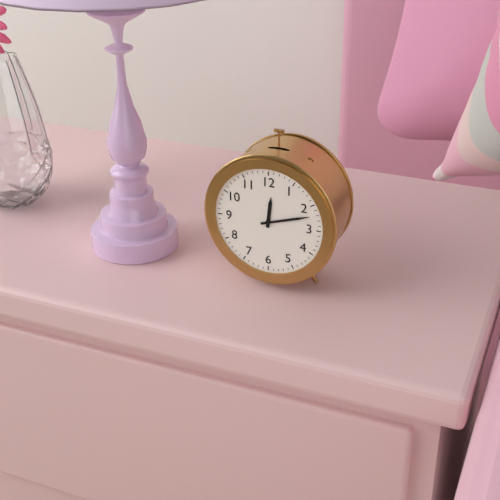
12:12
